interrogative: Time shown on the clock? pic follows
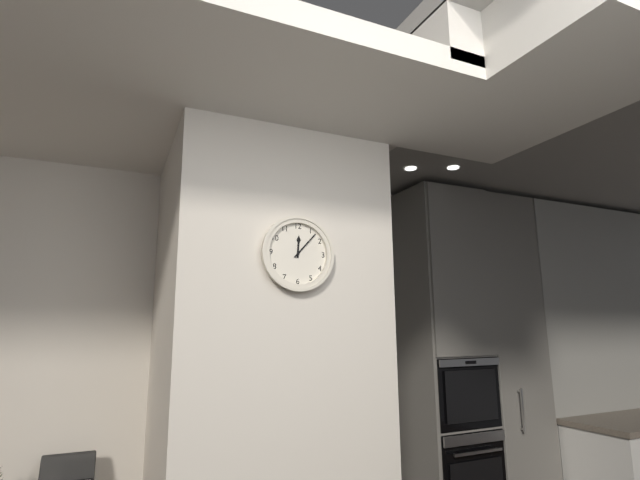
12:07
